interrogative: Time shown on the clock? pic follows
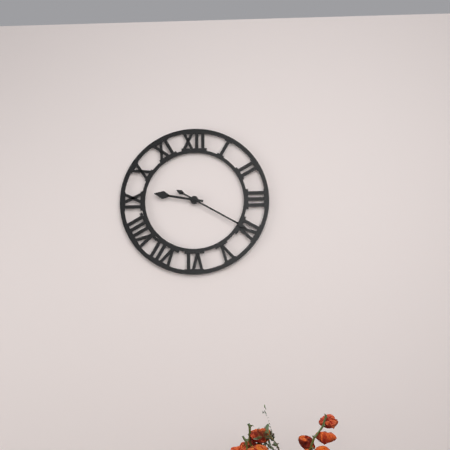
9:20
